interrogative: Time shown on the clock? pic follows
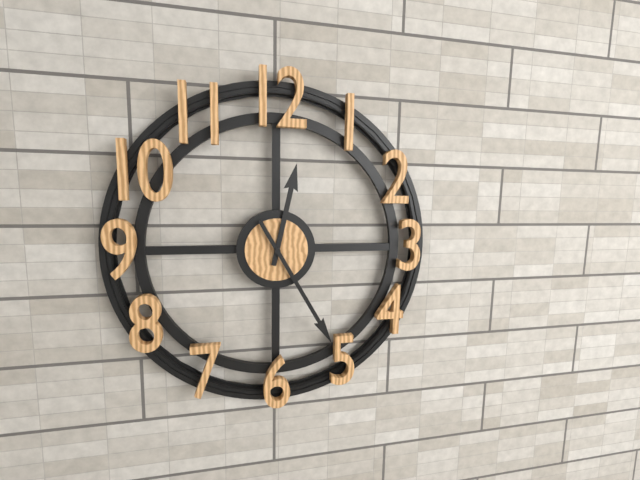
12:25
